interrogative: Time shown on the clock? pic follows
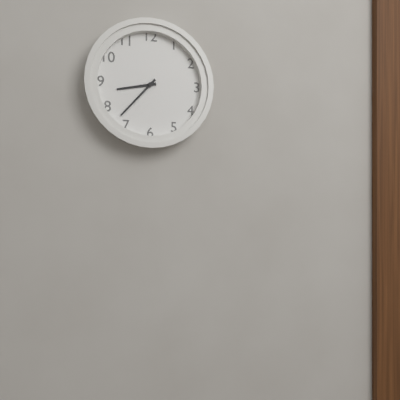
8:37
